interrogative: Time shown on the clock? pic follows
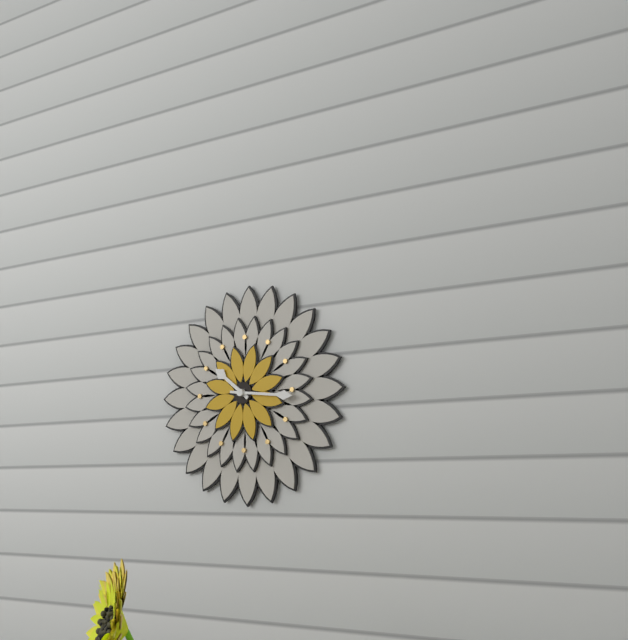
10:16
